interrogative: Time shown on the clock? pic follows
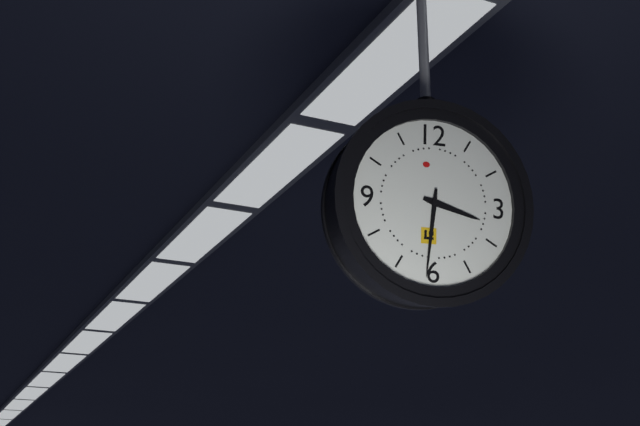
3:31
